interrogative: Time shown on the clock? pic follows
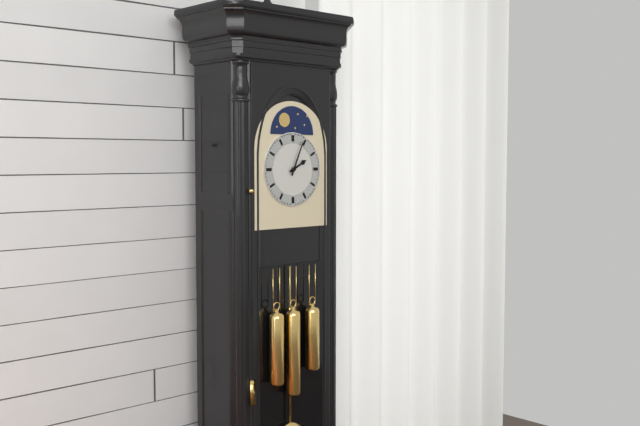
2:04
